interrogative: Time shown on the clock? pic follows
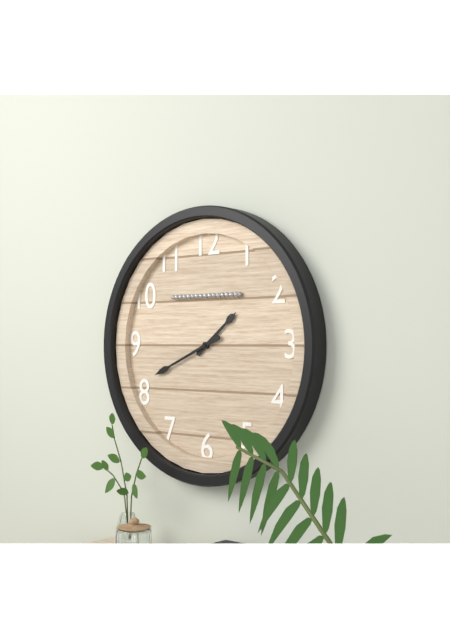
1:41
